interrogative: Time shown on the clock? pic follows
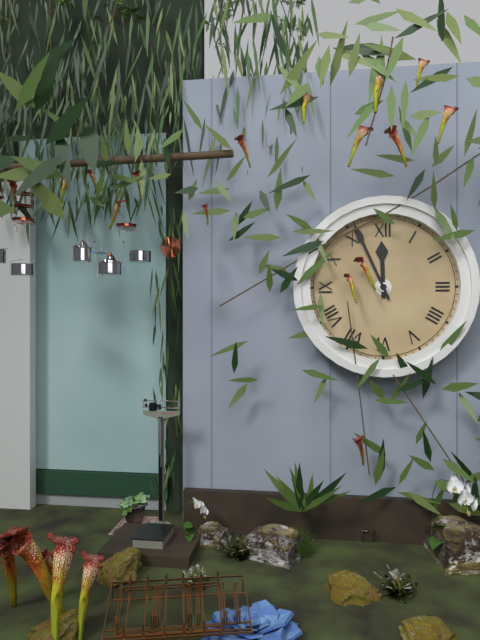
11:56
